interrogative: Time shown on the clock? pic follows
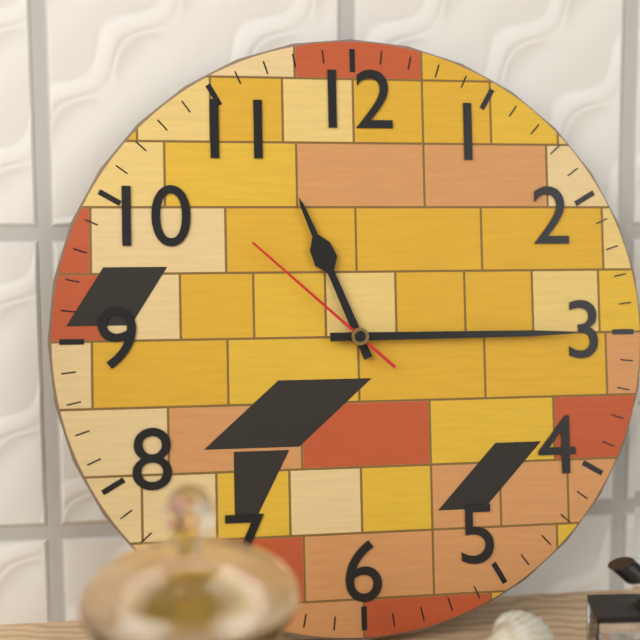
11:15:52
